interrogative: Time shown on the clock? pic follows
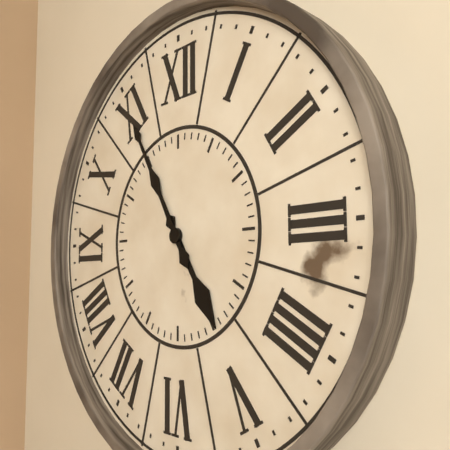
4:55
